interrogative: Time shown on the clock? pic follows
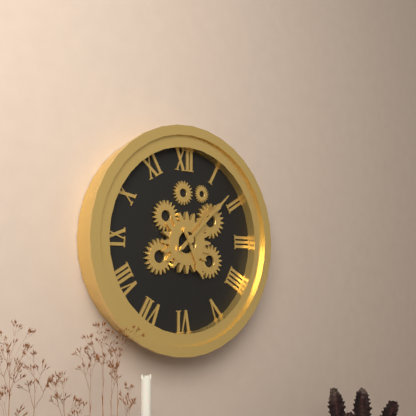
5:08
